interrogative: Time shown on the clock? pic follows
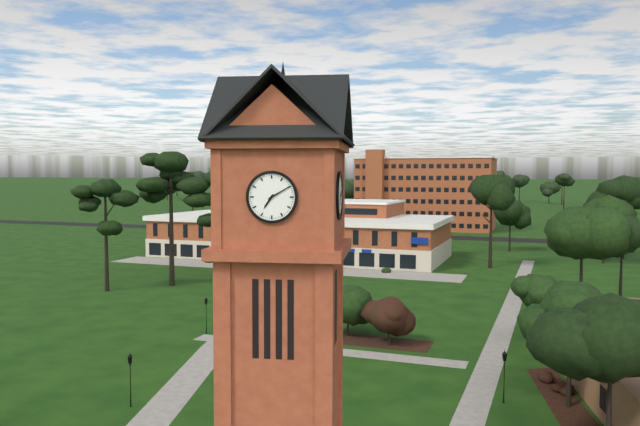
7:10
